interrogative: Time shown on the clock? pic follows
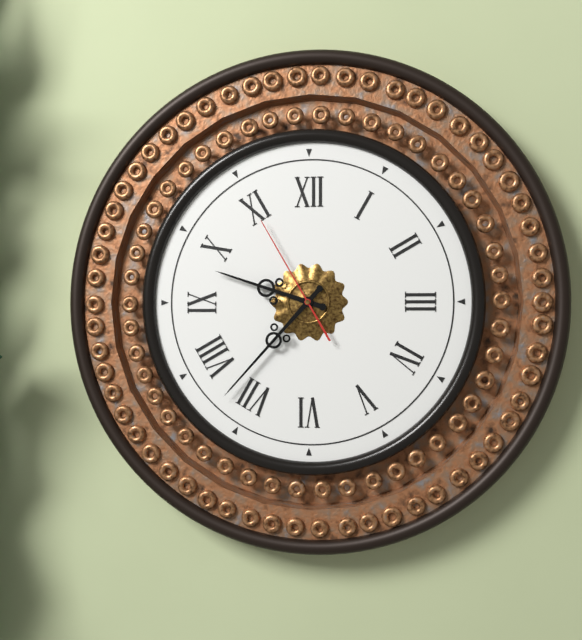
9:37:55
